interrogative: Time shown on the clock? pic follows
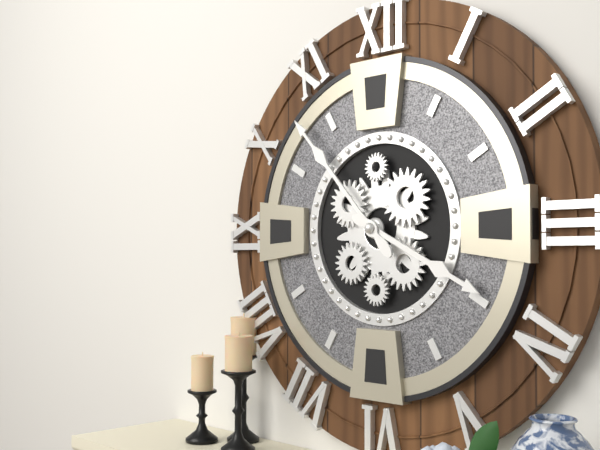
3:53
